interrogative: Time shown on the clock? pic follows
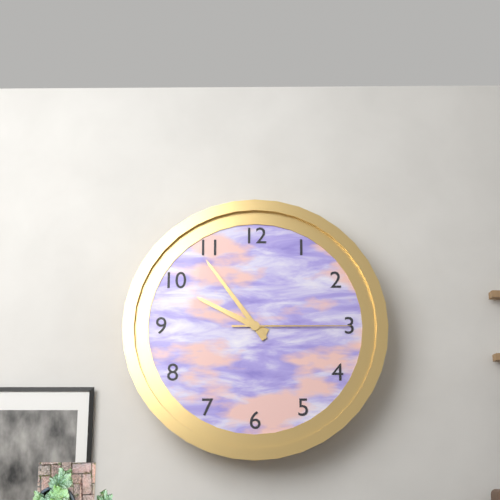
9:54:15
